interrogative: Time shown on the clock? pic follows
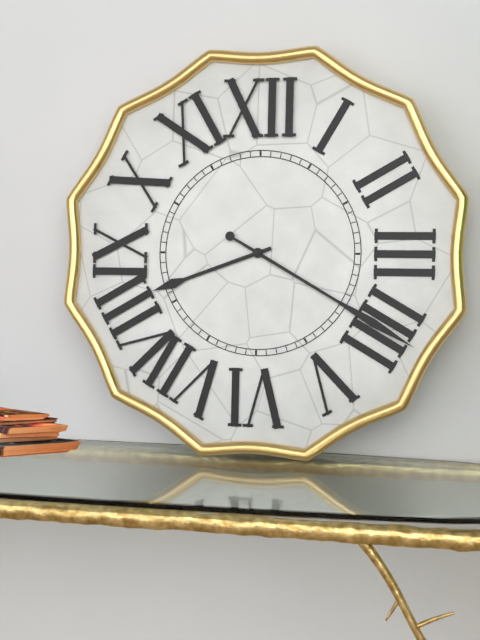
8:20
